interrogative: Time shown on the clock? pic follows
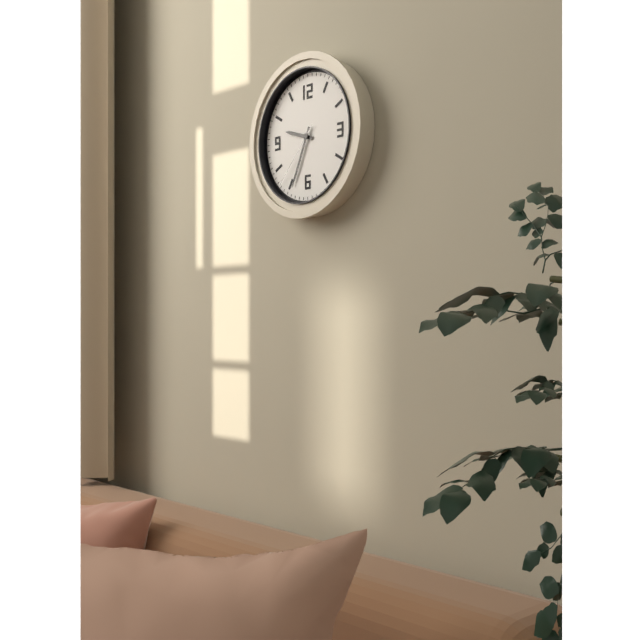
9:34:37
